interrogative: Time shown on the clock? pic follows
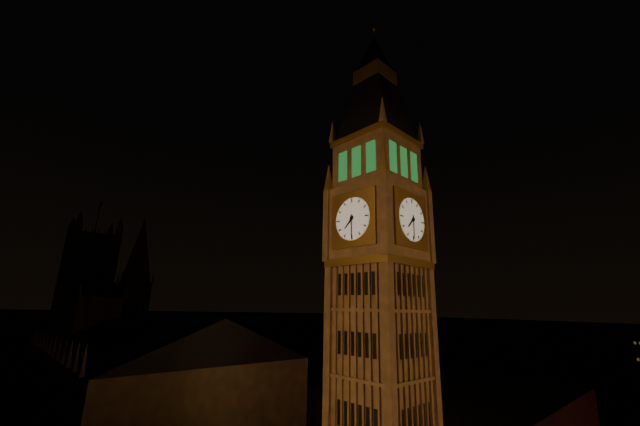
7:30
